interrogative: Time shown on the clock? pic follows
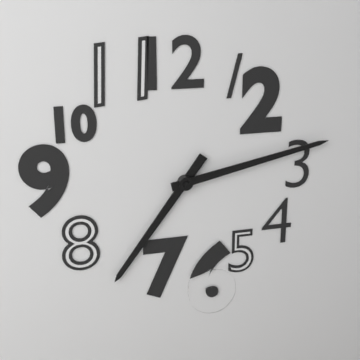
7:13
